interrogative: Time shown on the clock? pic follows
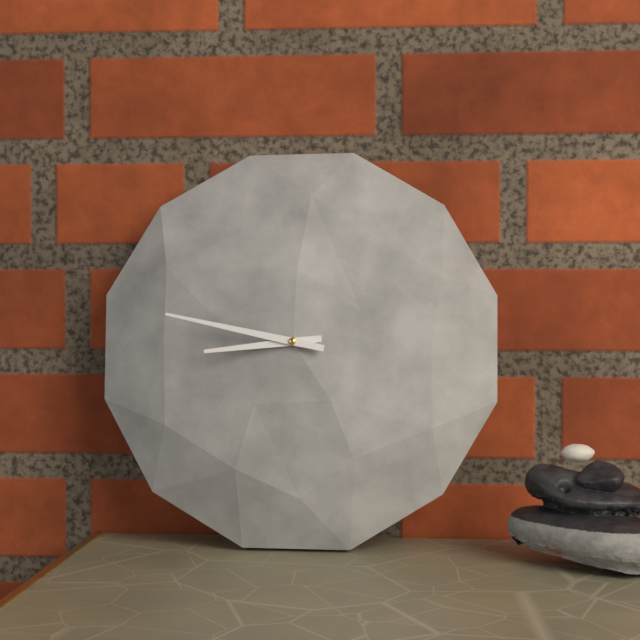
8:47
